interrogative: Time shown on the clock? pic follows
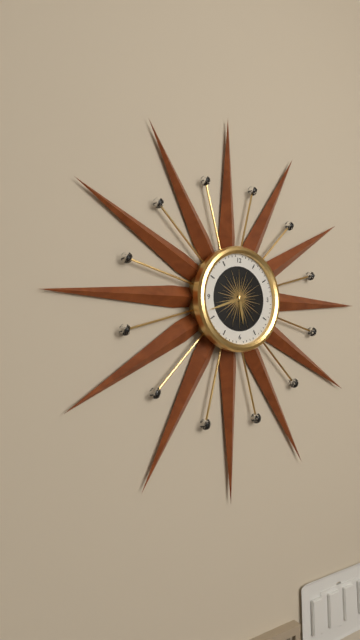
5:42
